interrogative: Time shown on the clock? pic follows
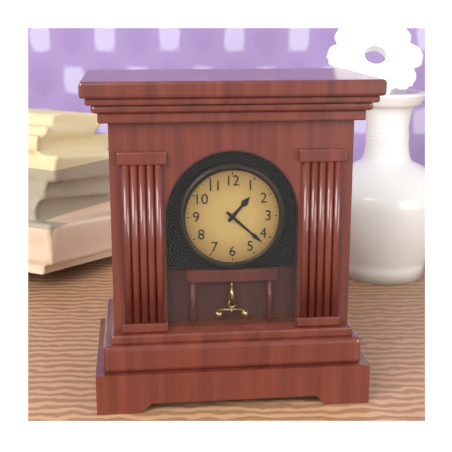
1:22
